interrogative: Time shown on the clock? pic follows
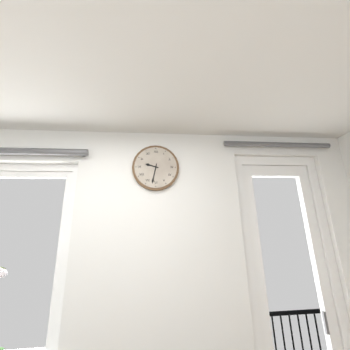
9:32
